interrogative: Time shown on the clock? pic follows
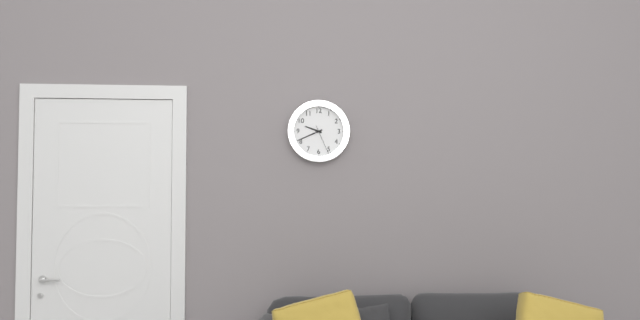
9:41
